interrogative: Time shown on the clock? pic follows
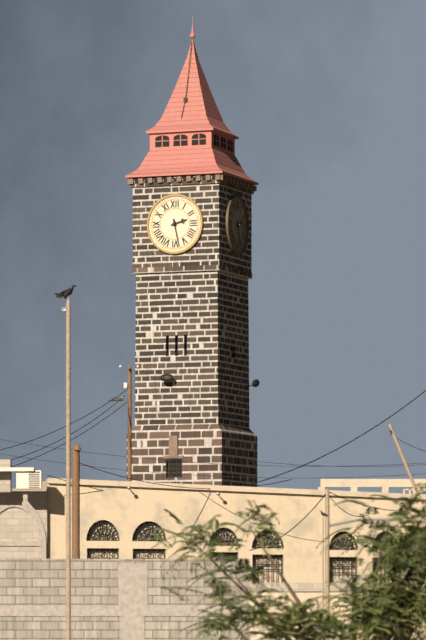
2:28
